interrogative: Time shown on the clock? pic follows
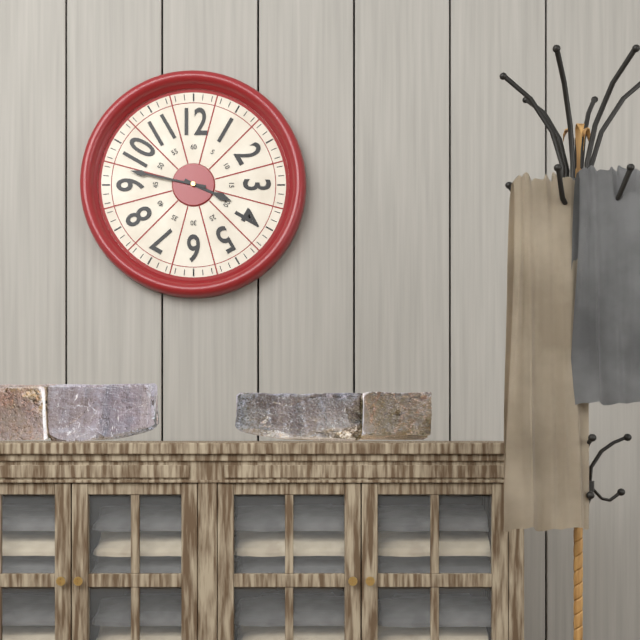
3:47
